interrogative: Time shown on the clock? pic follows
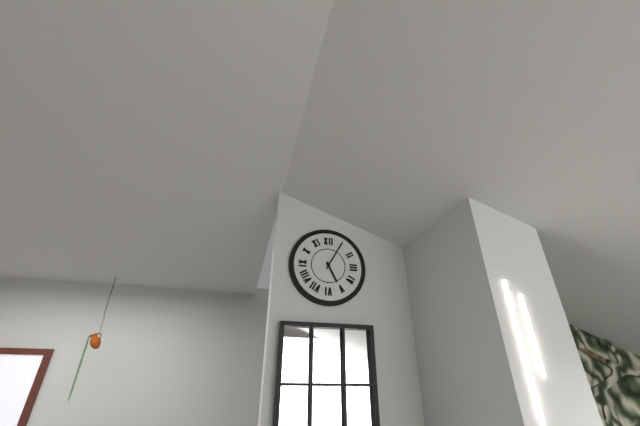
5:05
